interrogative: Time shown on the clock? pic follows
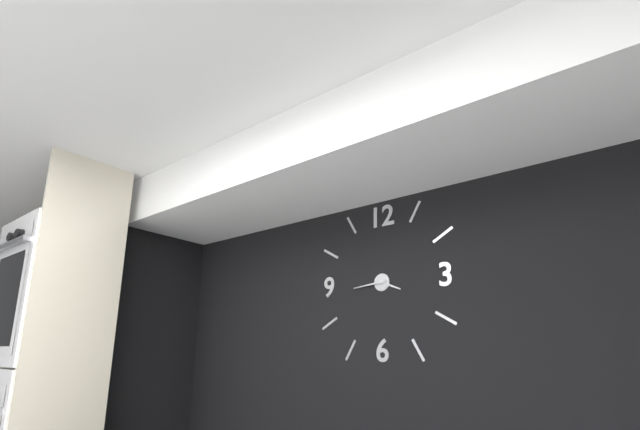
3:44
